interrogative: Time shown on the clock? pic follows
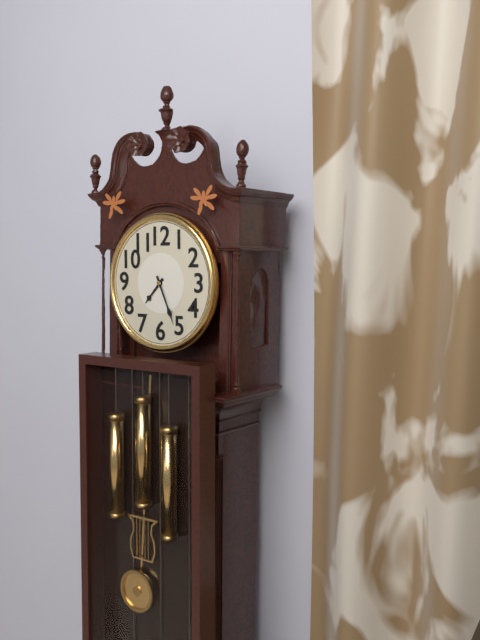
7:26
